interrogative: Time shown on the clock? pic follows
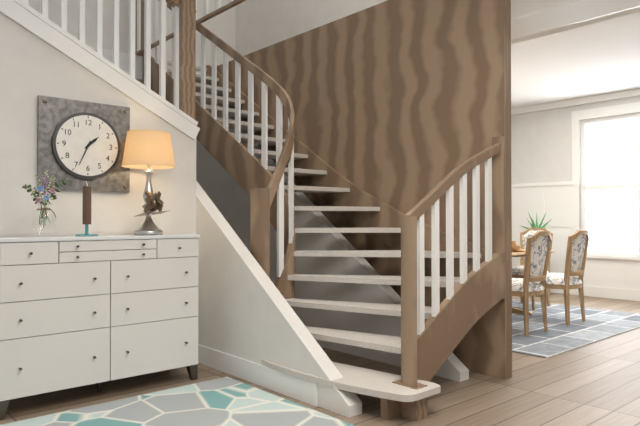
1:34
